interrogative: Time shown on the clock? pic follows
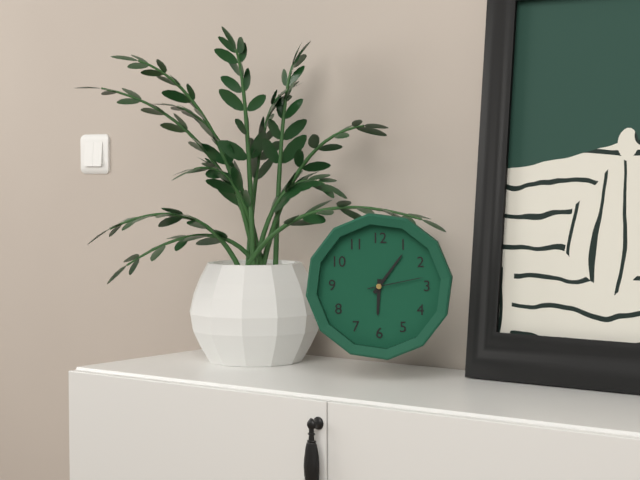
6:06:13
